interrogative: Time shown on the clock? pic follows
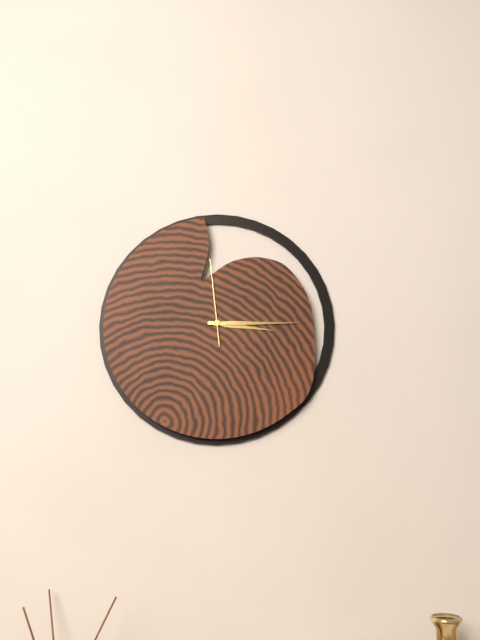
3:15:59
